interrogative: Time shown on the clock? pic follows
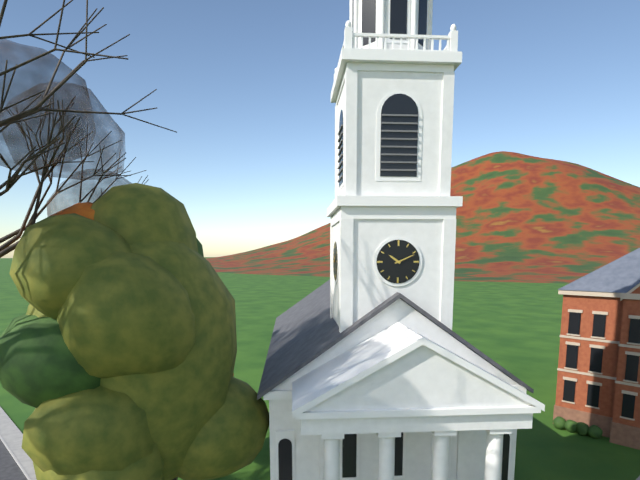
10:11
